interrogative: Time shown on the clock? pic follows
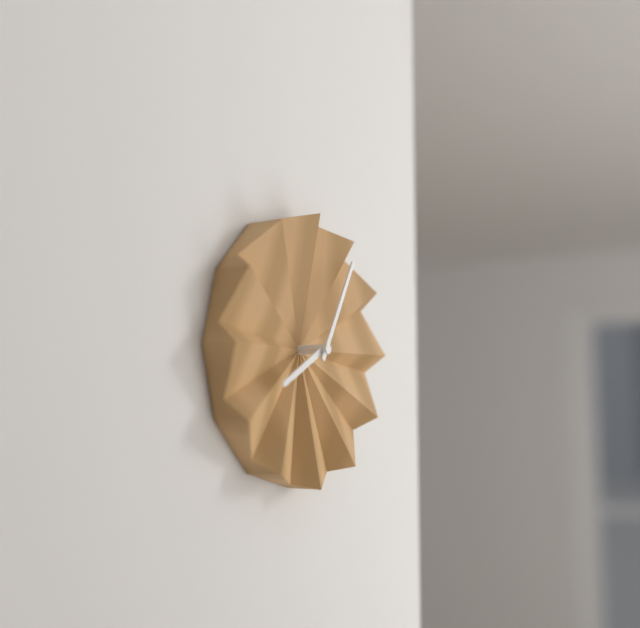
8:05
